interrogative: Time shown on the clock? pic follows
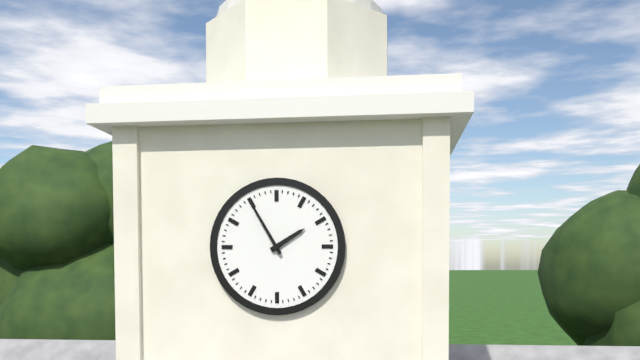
1:55
